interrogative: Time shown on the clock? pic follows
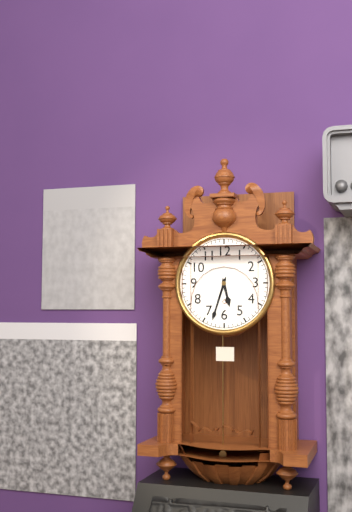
5:33
